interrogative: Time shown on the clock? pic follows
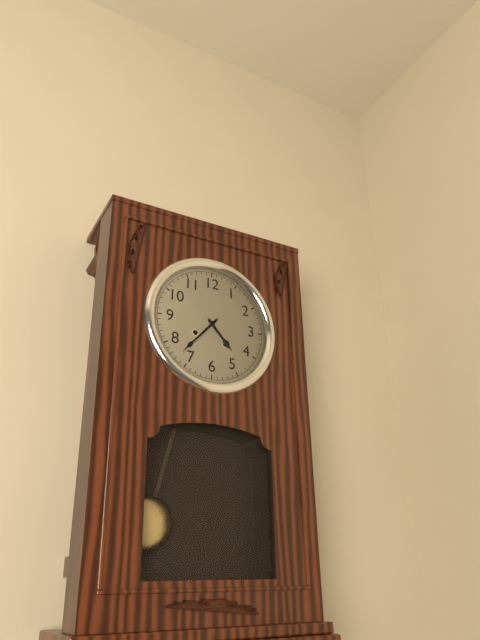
4:37
